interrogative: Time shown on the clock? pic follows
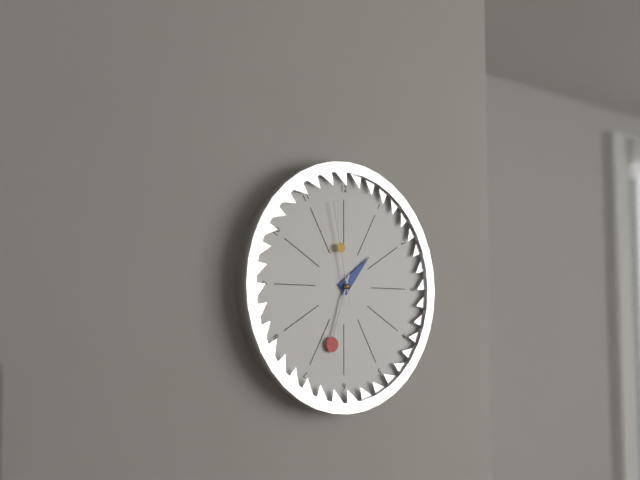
1:33:58
